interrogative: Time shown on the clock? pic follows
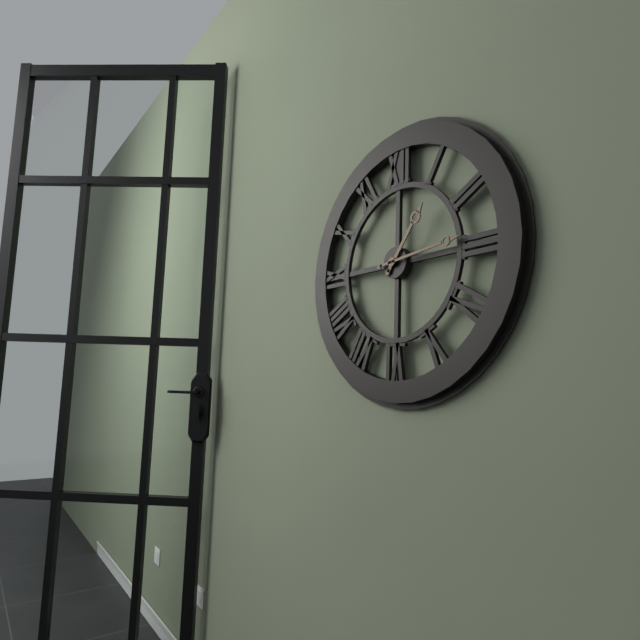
1:14
